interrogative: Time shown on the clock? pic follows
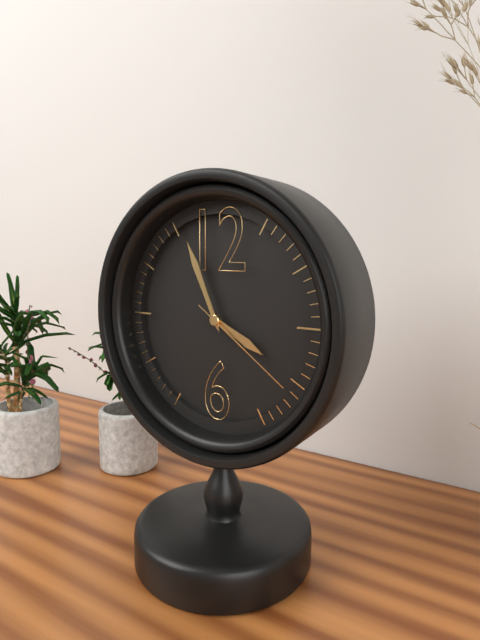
3:56:21
